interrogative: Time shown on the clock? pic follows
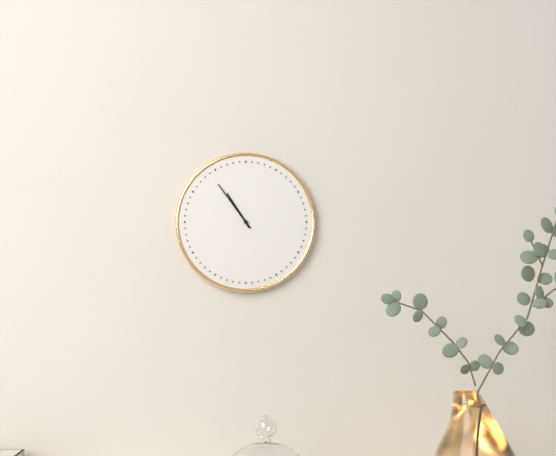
10:54
